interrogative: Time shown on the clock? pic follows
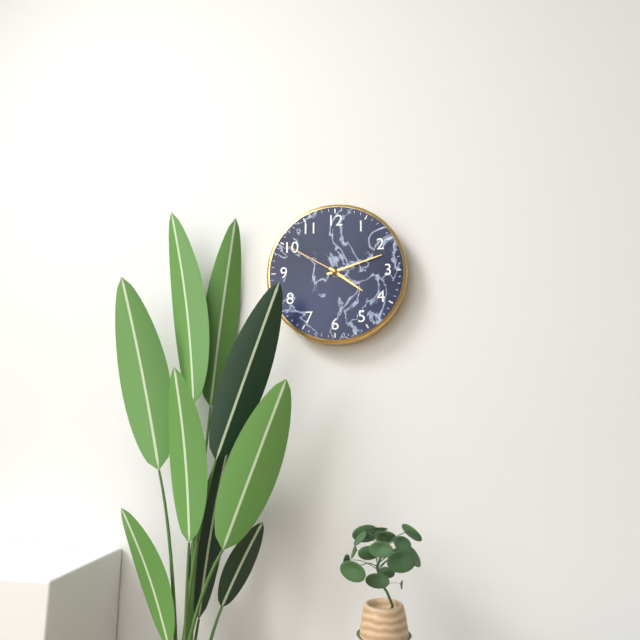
4:12:50
